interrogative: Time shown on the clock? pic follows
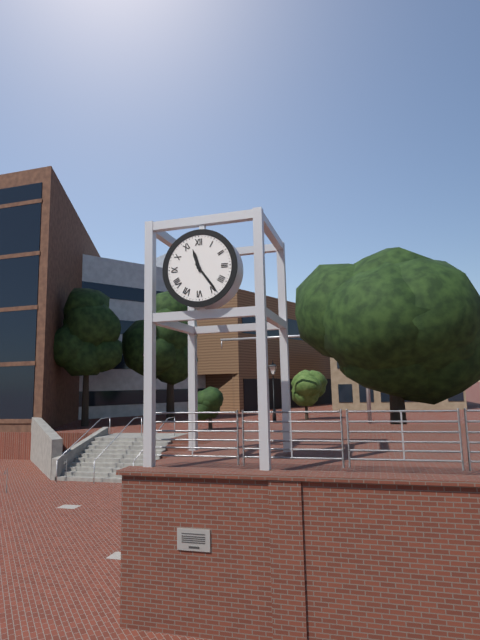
11:24
